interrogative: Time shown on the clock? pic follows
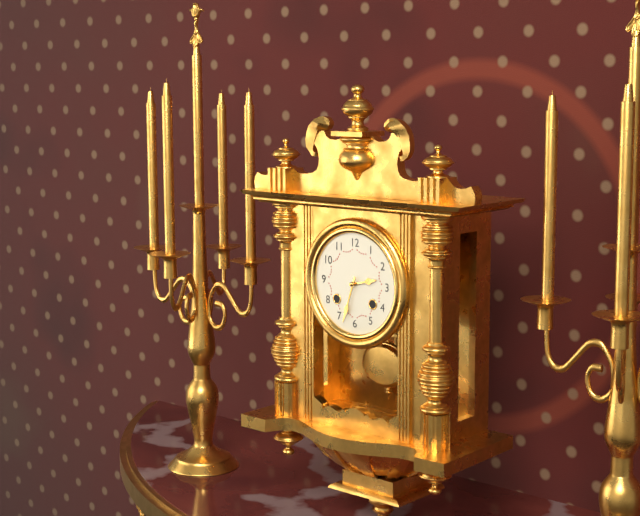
2:33
